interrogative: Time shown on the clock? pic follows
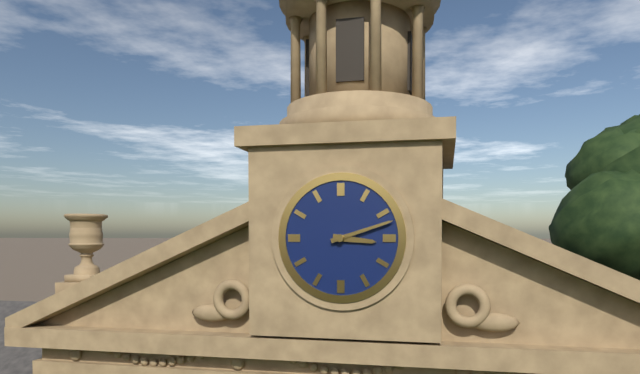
3:12
